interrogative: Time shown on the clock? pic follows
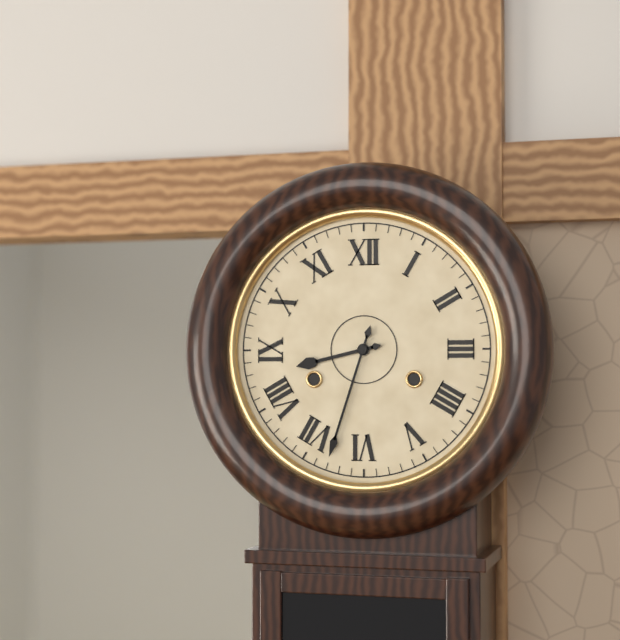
8:33
